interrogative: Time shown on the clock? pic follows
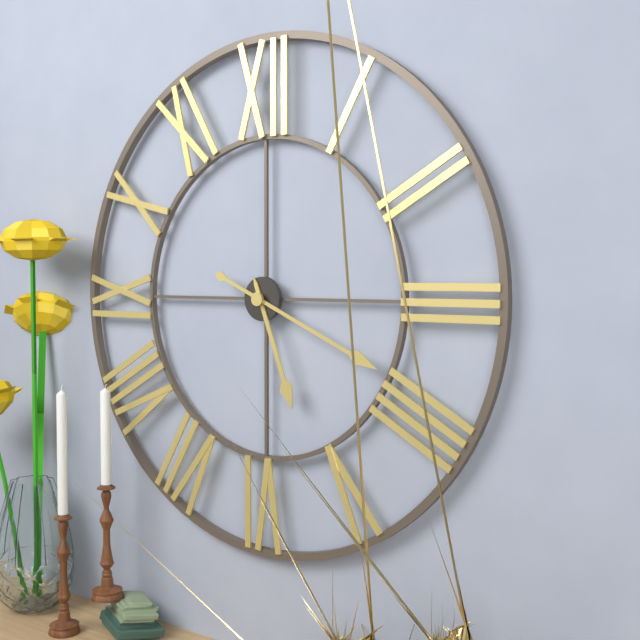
5:19
